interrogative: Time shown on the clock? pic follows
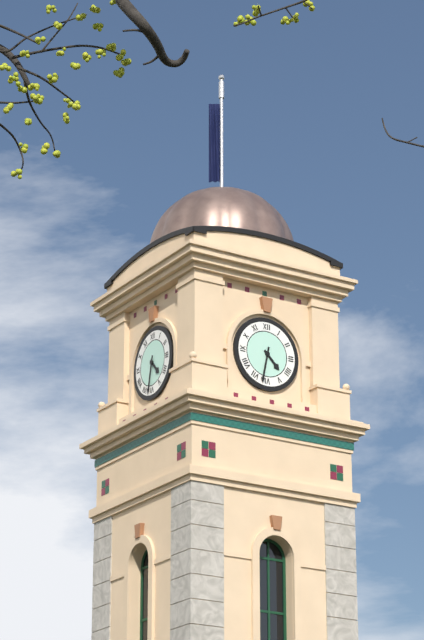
4:32
